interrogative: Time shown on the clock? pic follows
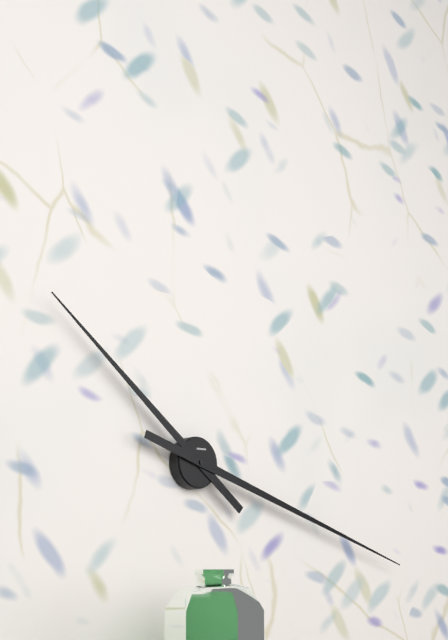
10:18
